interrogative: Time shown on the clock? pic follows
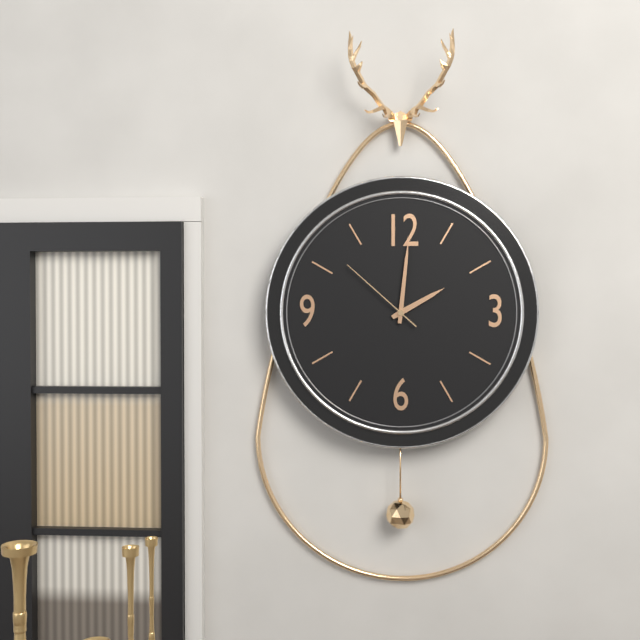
2:01:52
